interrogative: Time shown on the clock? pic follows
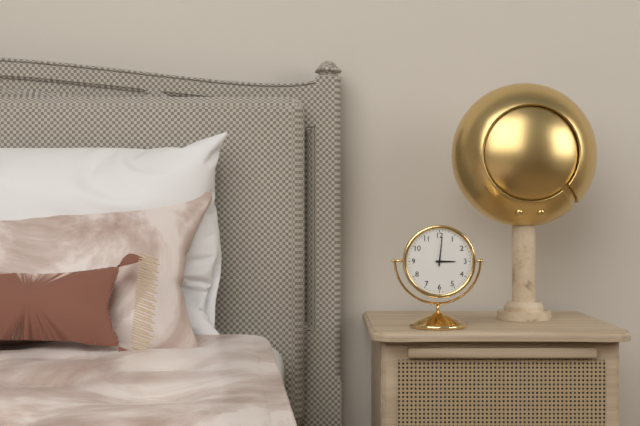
3:01
